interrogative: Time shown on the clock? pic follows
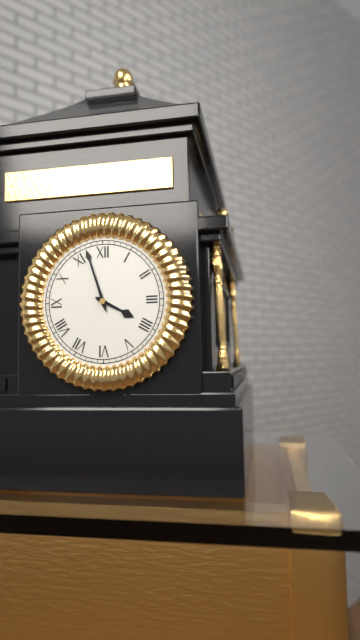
3:57
